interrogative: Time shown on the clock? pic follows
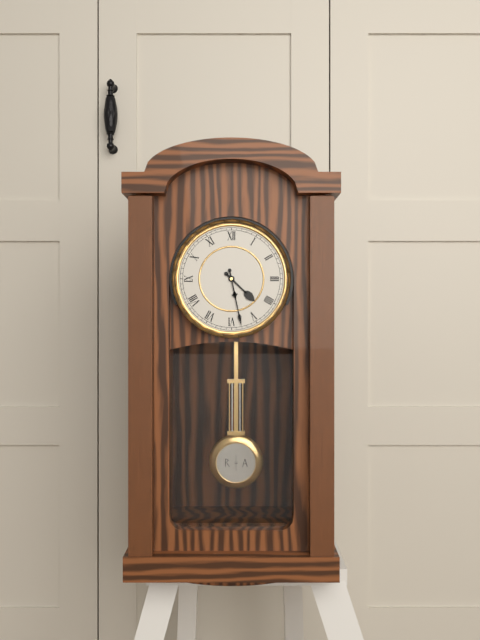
4:28
